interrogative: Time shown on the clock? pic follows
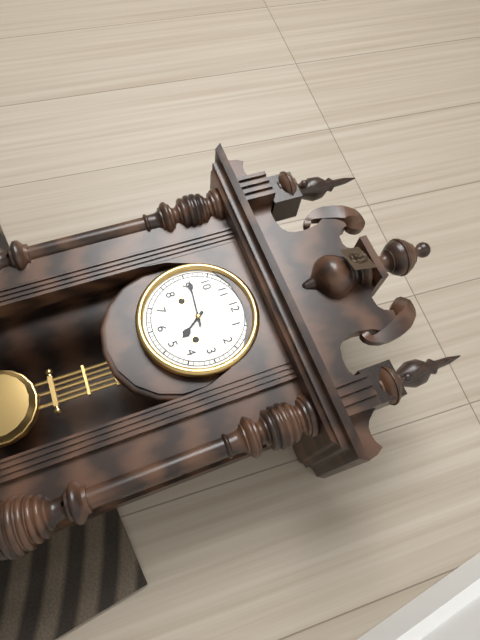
4:46
